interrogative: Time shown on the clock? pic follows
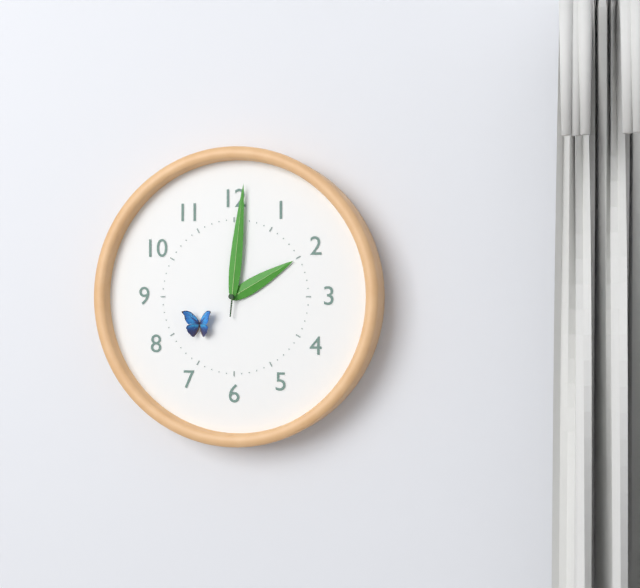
2:01
